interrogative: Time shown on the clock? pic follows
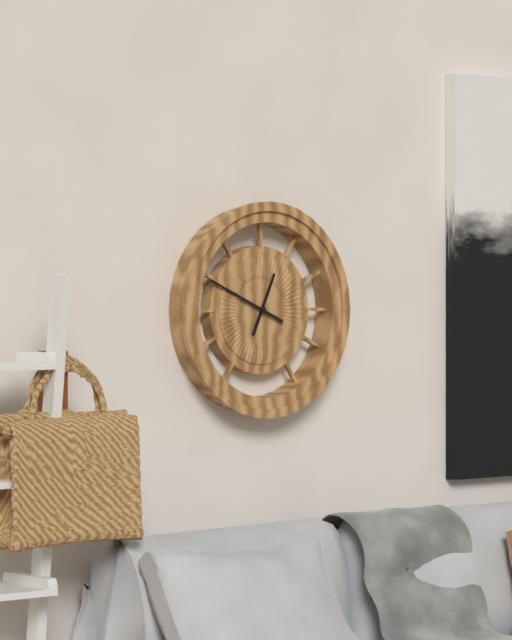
12:49
